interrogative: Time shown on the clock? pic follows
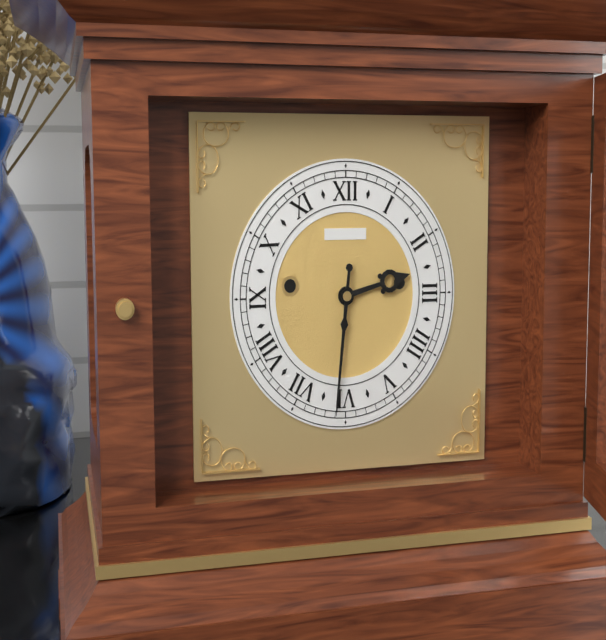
2:31
